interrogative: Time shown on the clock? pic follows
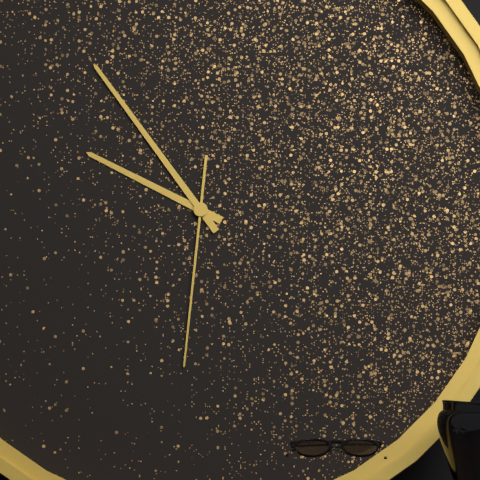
9:54:31
